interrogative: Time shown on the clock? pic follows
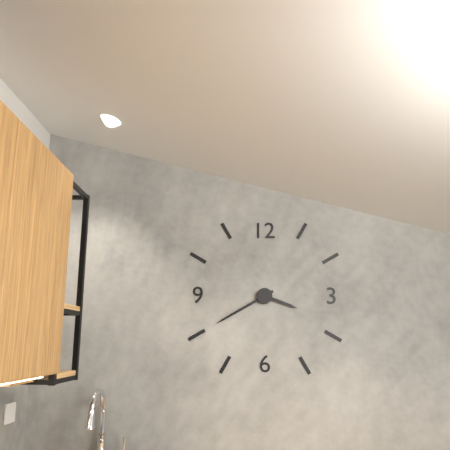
3:40
